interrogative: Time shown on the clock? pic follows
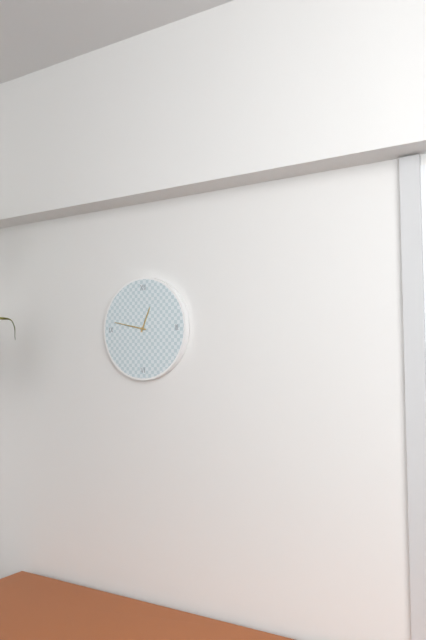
12:47
